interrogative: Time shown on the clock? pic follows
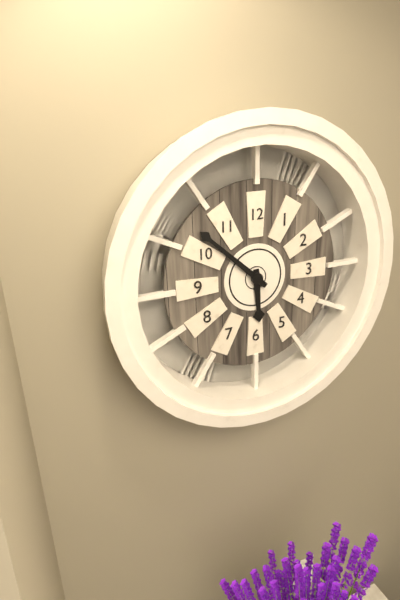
5:52
